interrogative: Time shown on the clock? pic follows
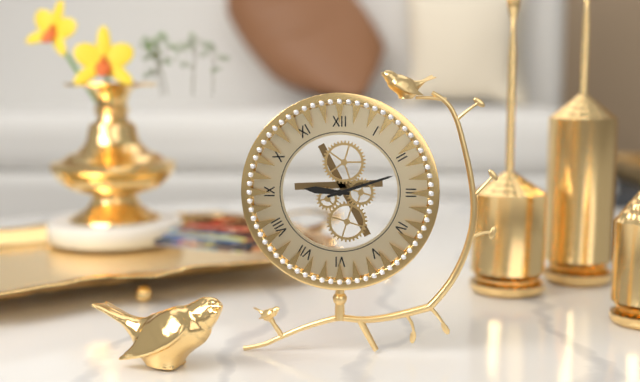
9:12
